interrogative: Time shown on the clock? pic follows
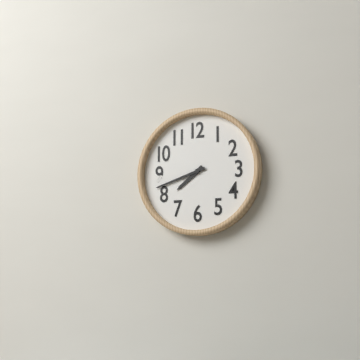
7:42
